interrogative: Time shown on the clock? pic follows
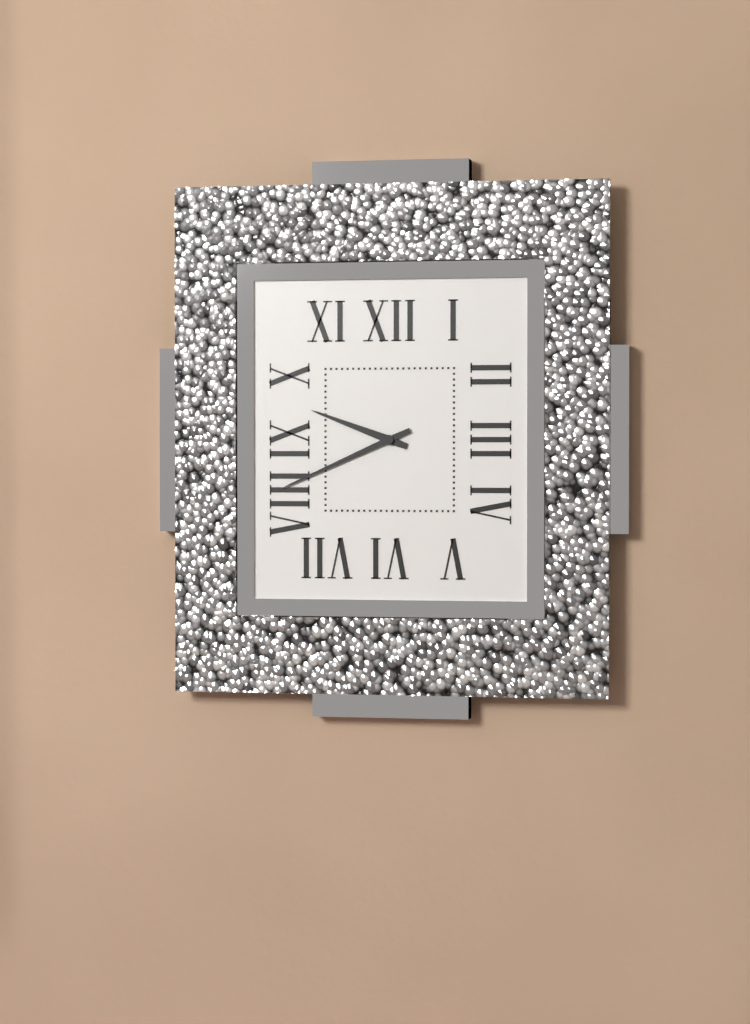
9:41
